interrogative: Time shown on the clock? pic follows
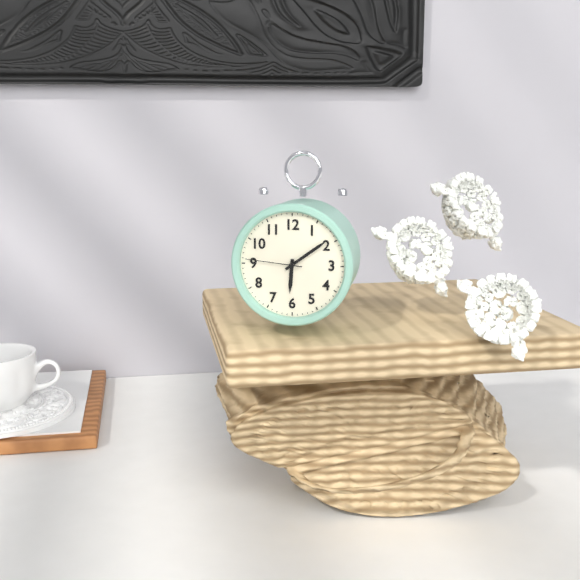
6:09:46
